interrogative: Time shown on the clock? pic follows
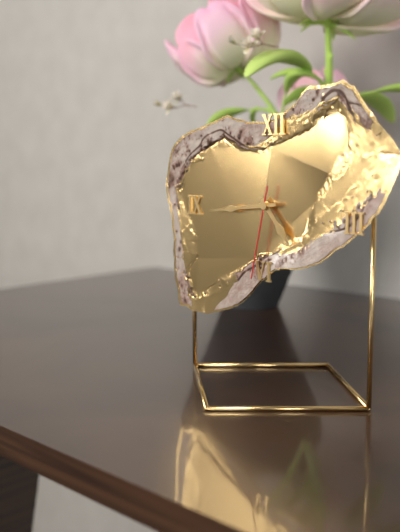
4:44:32
